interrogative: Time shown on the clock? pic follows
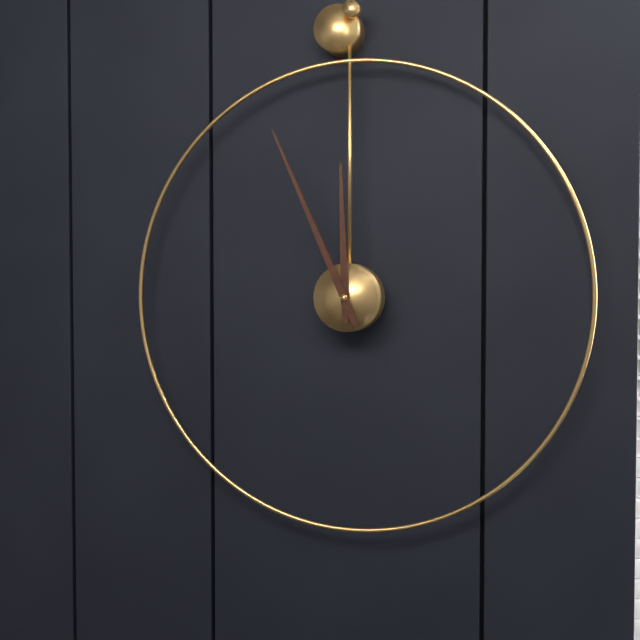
11:56
